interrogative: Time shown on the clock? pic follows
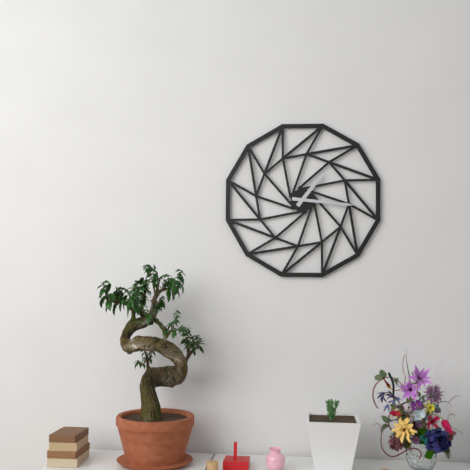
1:16
